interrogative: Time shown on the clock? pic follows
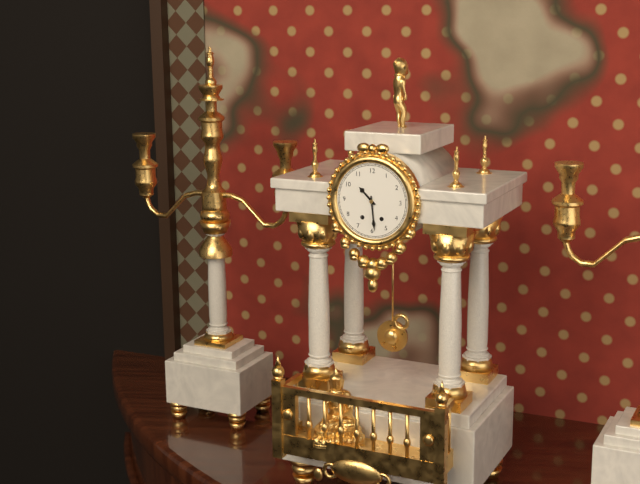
10:29
